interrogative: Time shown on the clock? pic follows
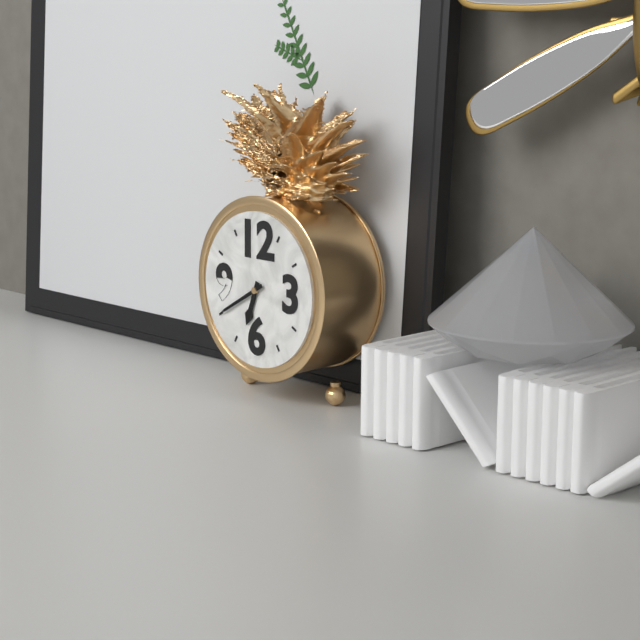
6:40
